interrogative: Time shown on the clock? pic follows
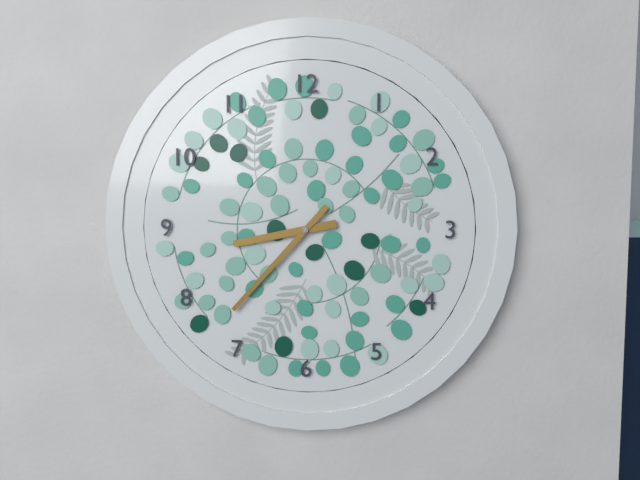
8:37
